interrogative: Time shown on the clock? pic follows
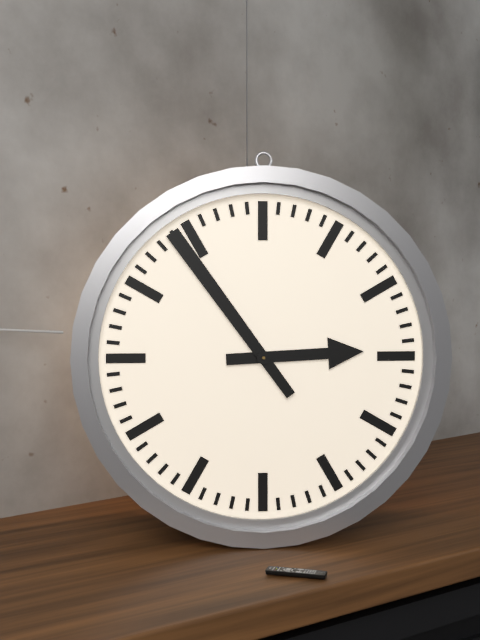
2:54
